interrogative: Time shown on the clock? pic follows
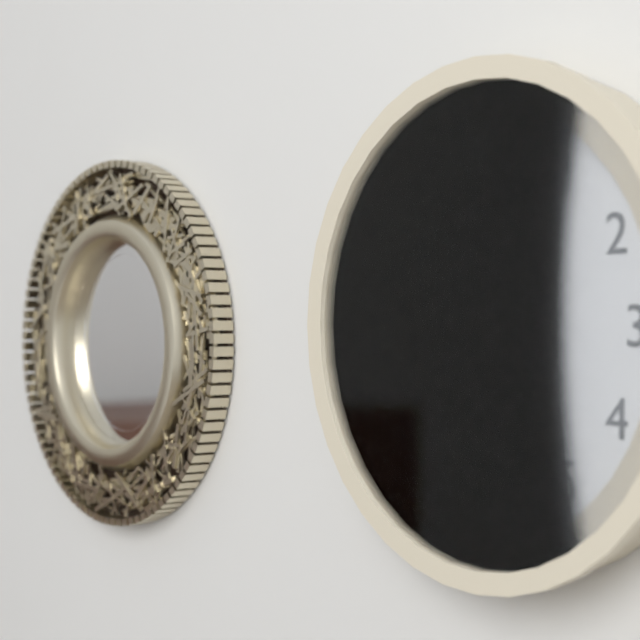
1:27:26
